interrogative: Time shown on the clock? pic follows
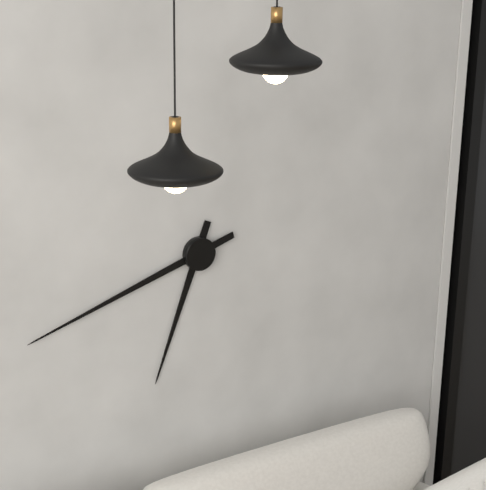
6:42
